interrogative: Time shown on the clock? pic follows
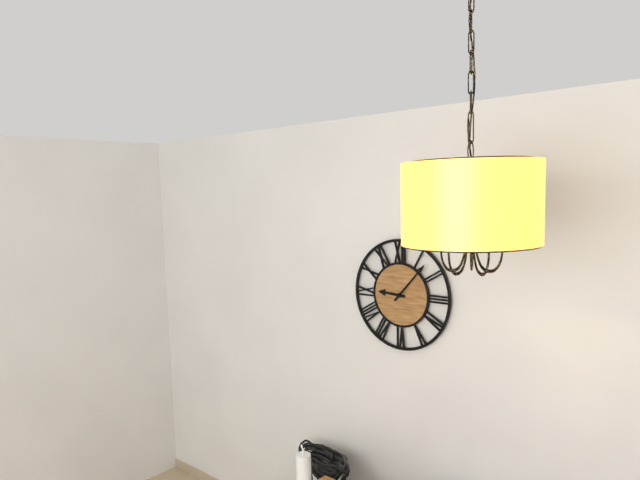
9:07
